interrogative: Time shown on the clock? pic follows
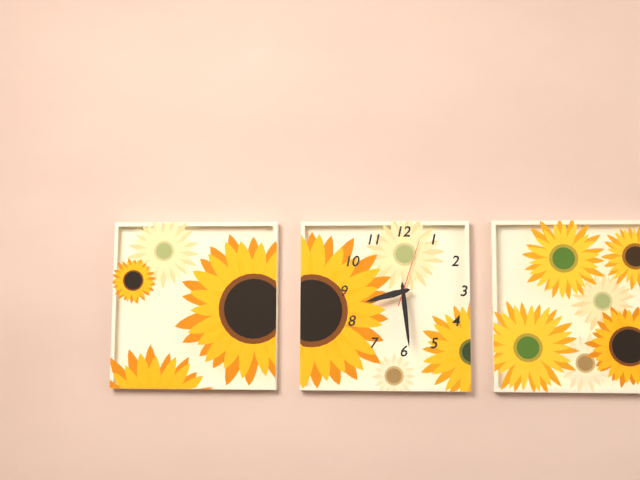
8:29:03
